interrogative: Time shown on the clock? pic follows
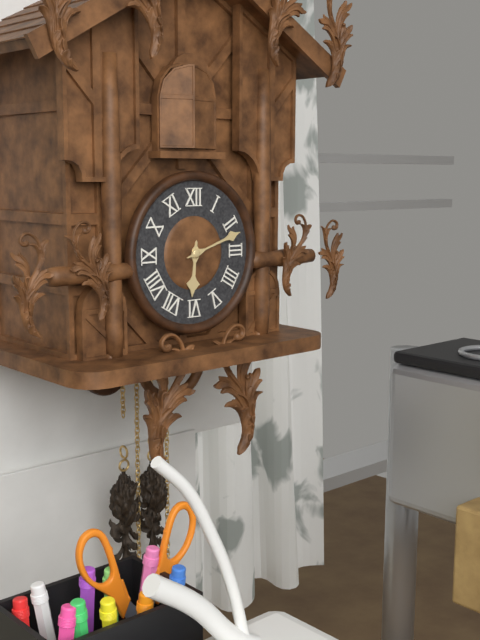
6:12
